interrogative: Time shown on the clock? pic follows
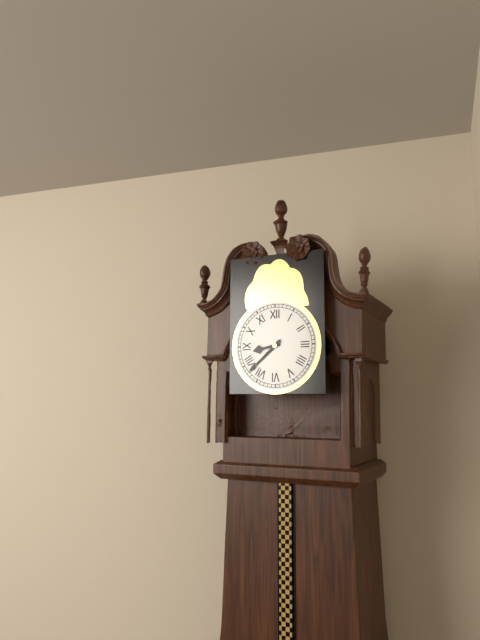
8:38
